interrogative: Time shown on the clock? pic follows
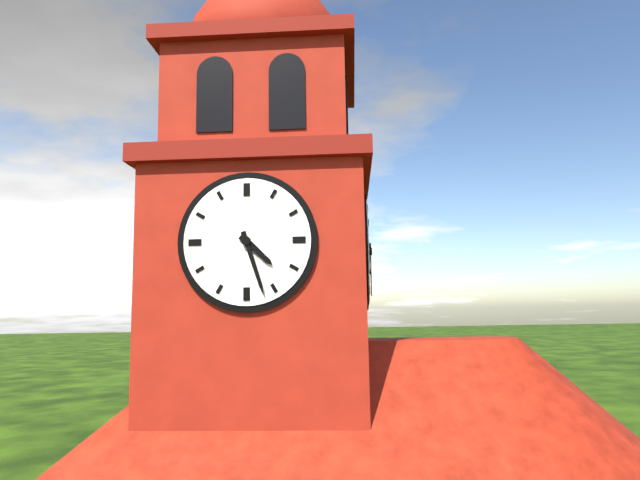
4:27
